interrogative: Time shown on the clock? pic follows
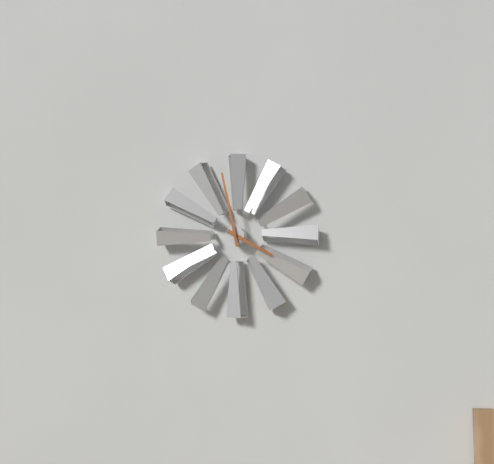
3:58
